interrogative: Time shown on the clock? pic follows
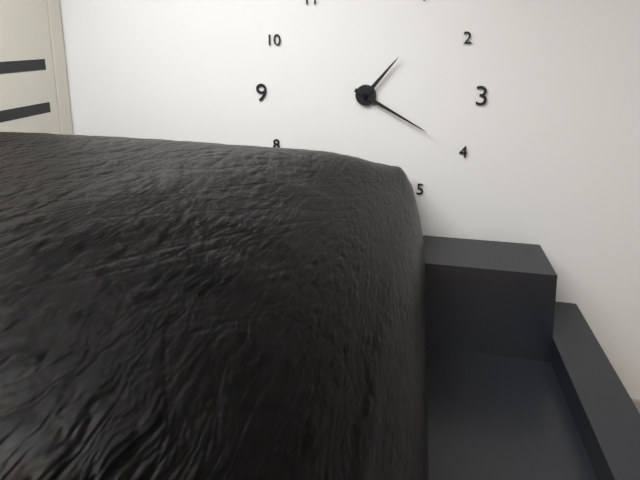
1:20
